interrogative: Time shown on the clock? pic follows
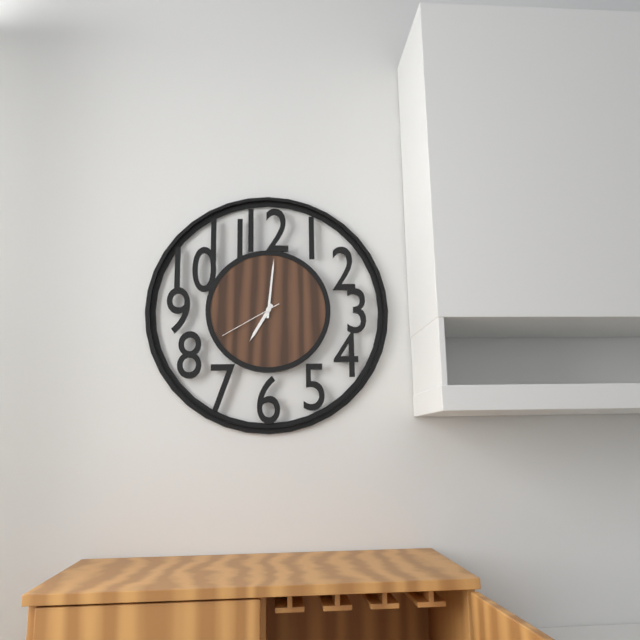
7:01:40
